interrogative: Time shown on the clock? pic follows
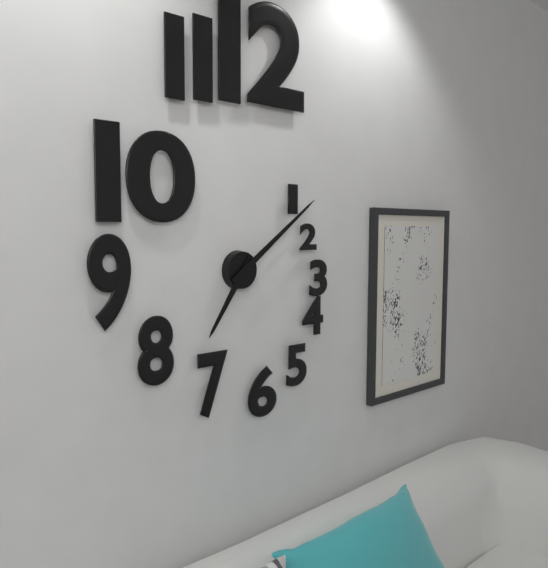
7:09
